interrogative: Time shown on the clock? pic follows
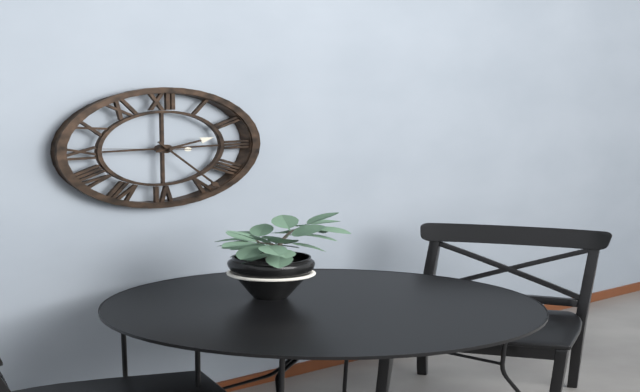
2:24:46
